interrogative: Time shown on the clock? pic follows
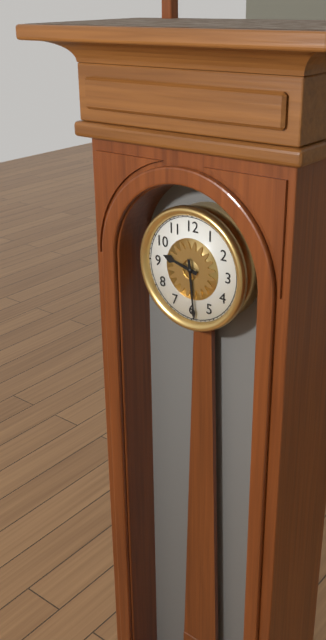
9:29
